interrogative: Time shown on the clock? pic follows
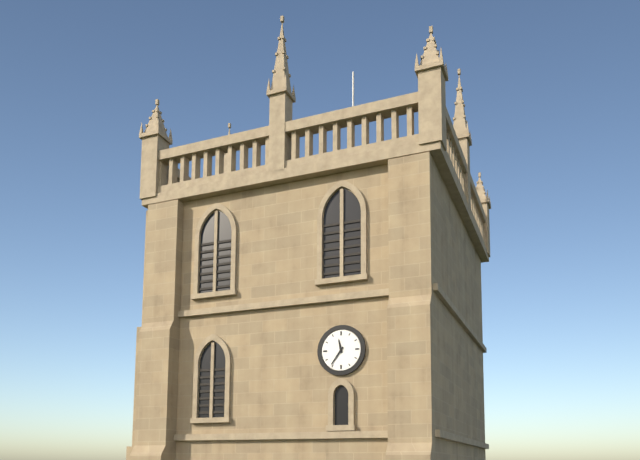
11:36
